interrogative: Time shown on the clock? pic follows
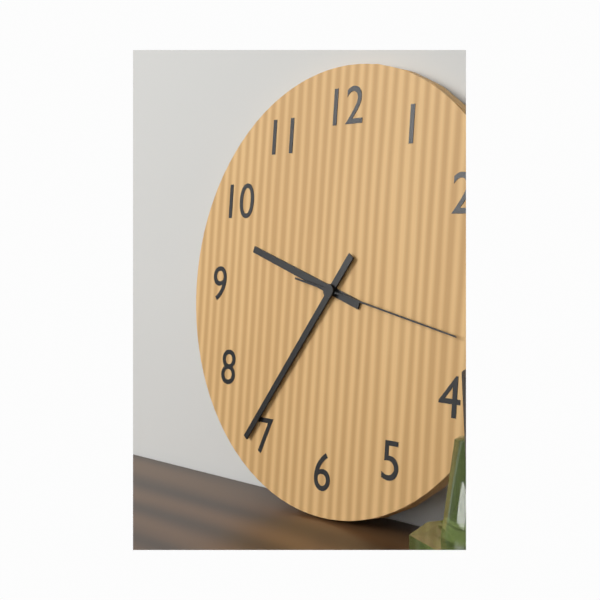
9:36:17
